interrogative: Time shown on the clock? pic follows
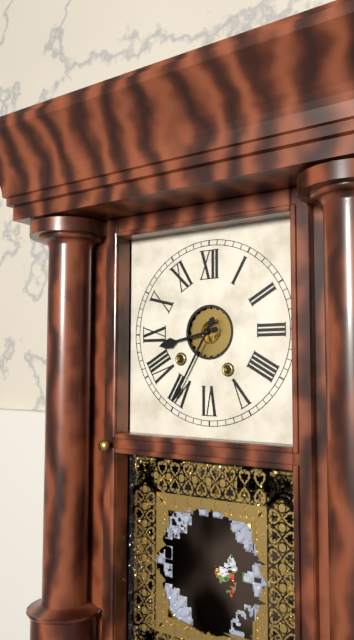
8:35
